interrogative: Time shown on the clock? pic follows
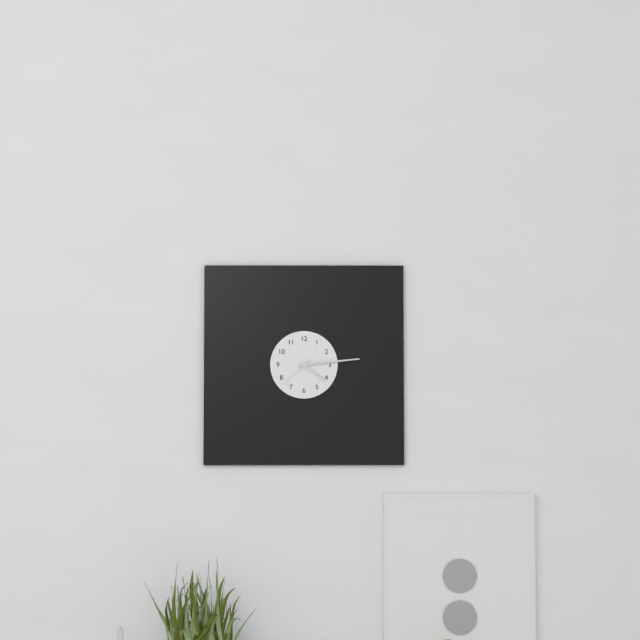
4:14
